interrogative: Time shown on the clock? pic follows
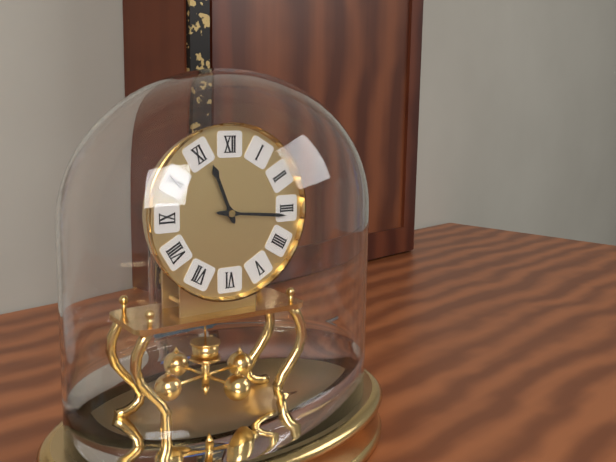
11:16
